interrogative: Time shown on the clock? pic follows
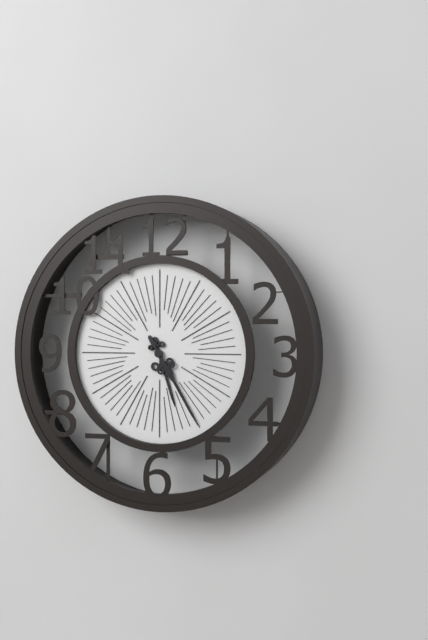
5:25
